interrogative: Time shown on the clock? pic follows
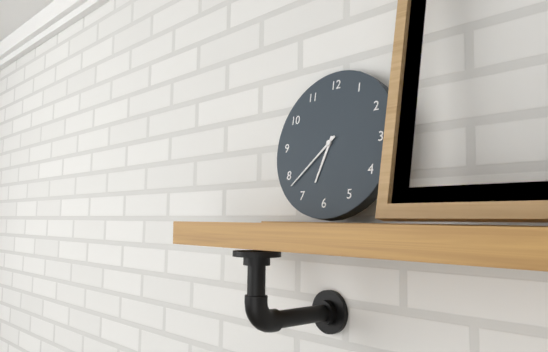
6:38
